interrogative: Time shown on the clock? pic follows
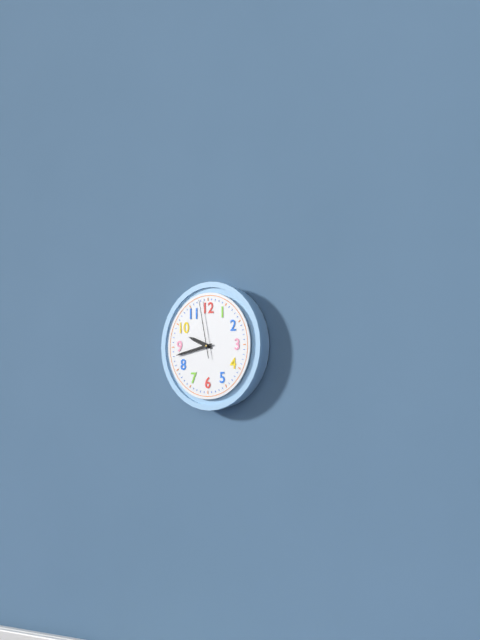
9:43:58
